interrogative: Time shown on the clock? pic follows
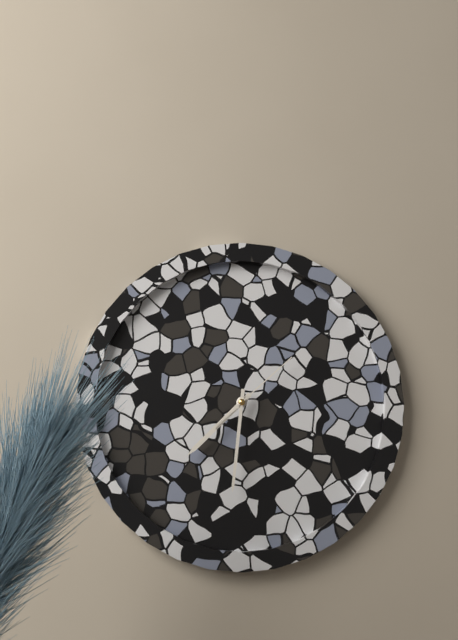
7:31:08
